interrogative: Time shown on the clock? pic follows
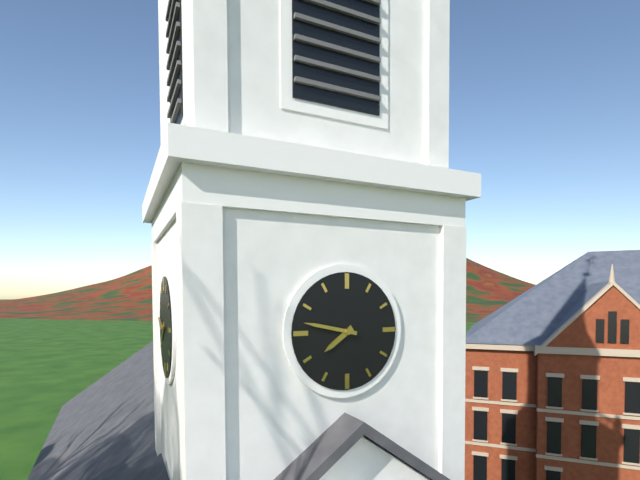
7:47
